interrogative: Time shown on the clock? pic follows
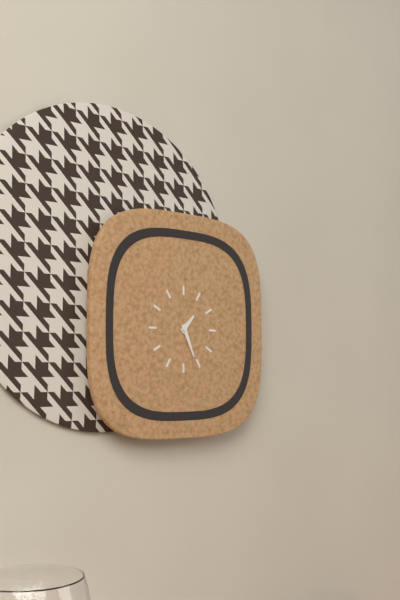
1:26
